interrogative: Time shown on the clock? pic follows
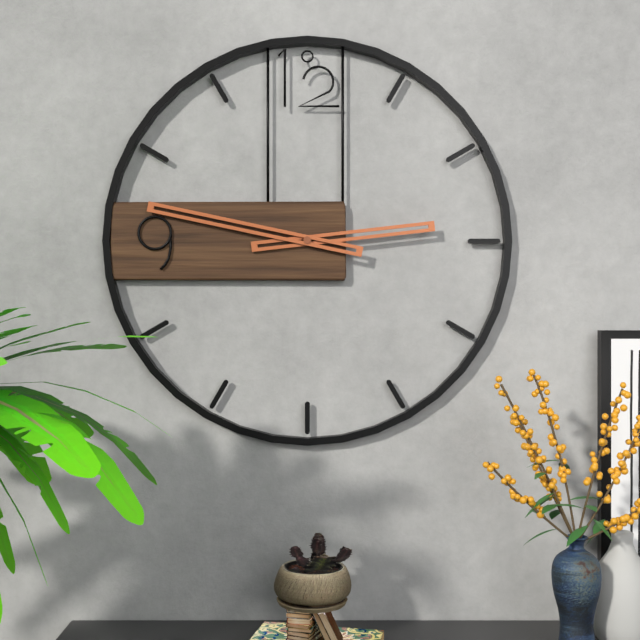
2:47
